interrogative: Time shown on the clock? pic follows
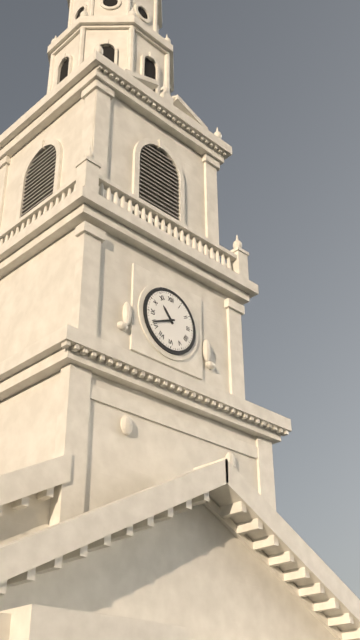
10:41
